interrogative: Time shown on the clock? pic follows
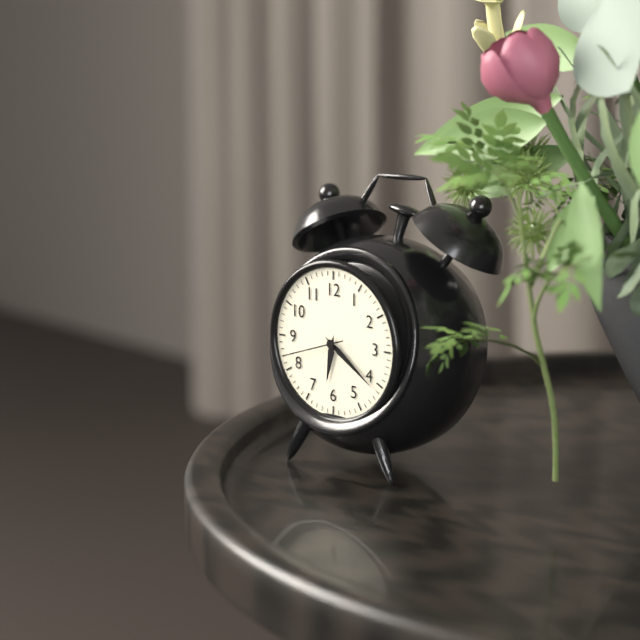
6:21:42
